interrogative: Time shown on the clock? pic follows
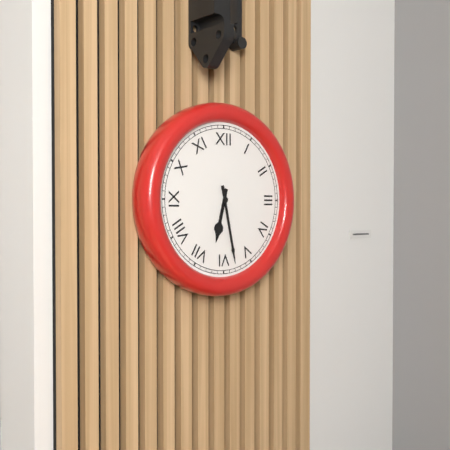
6:28
